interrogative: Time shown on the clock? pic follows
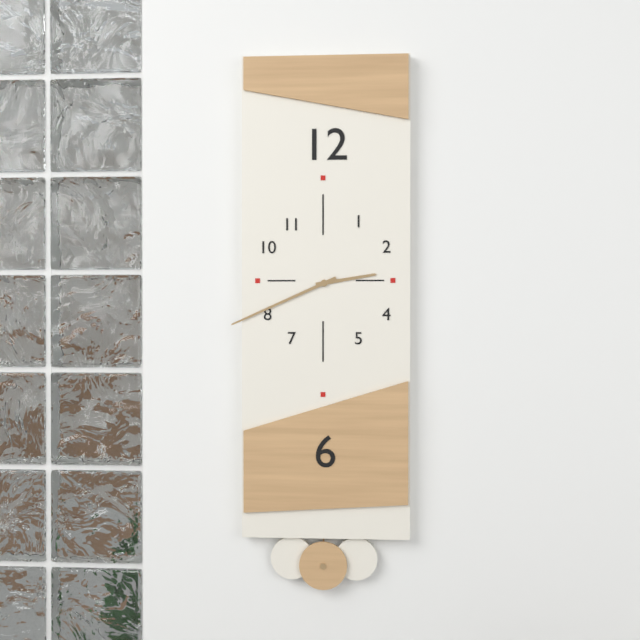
2:41
